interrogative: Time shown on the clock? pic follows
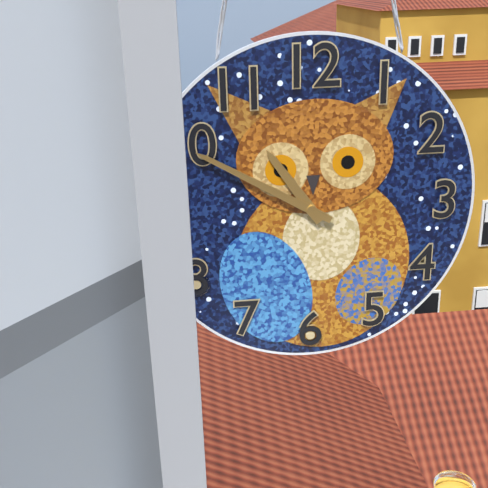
10:50
